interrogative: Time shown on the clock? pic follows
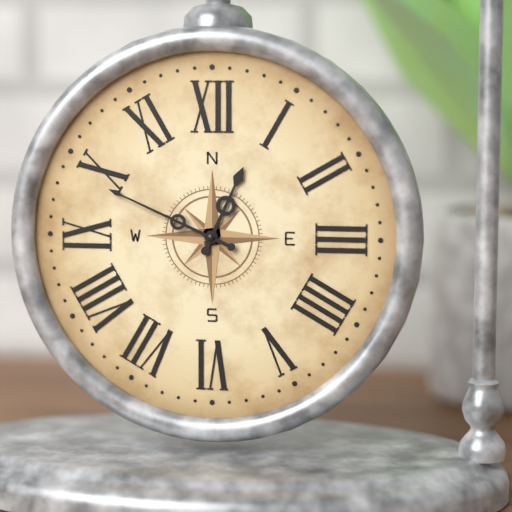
12:49
